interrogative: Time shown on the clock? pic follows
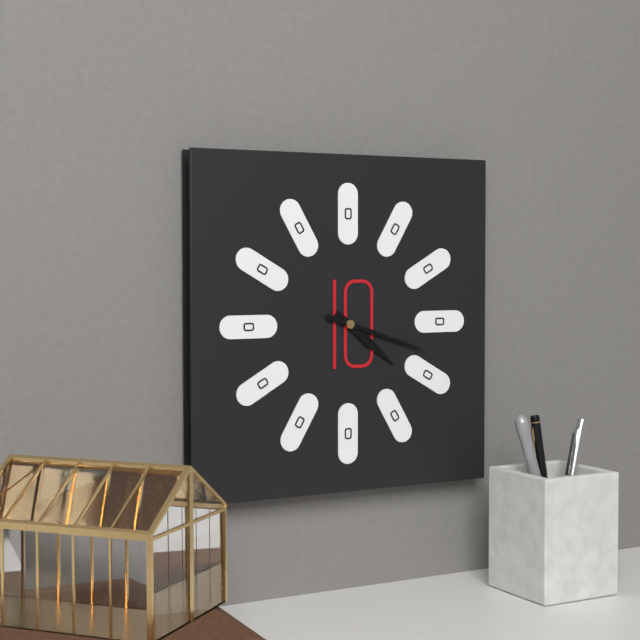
4:18
